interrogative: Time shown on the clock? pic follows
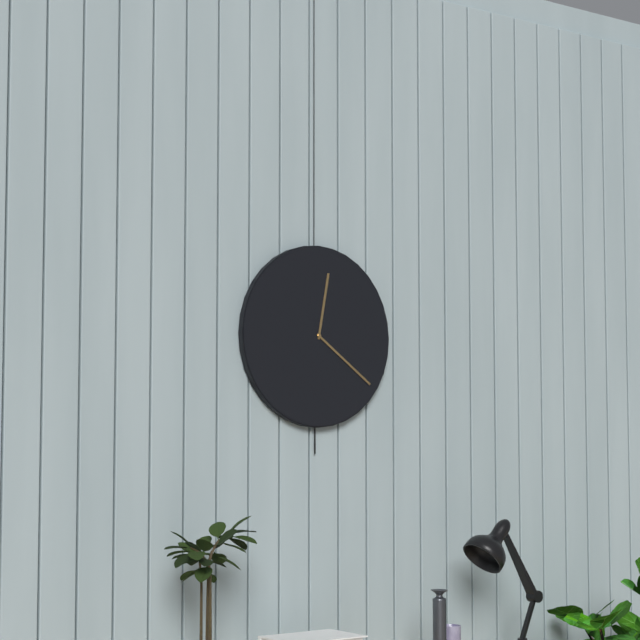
12:21
